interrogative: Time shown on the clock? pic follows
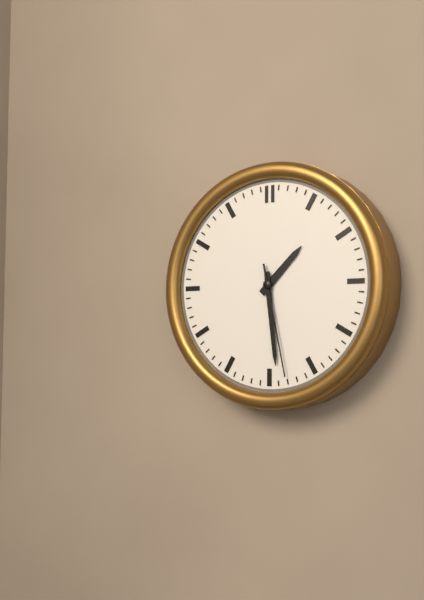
1:29:28
